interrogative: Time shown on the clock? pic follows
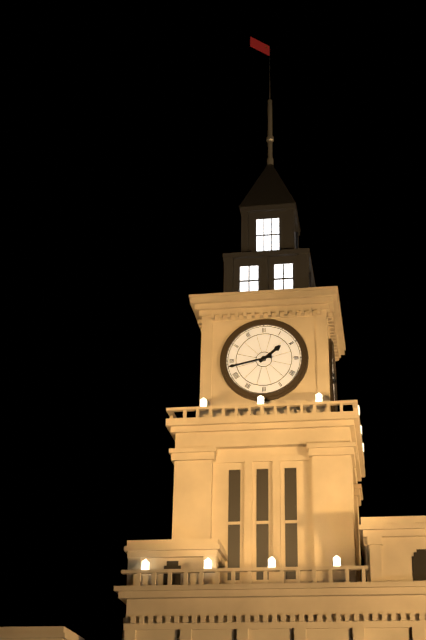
1:43
